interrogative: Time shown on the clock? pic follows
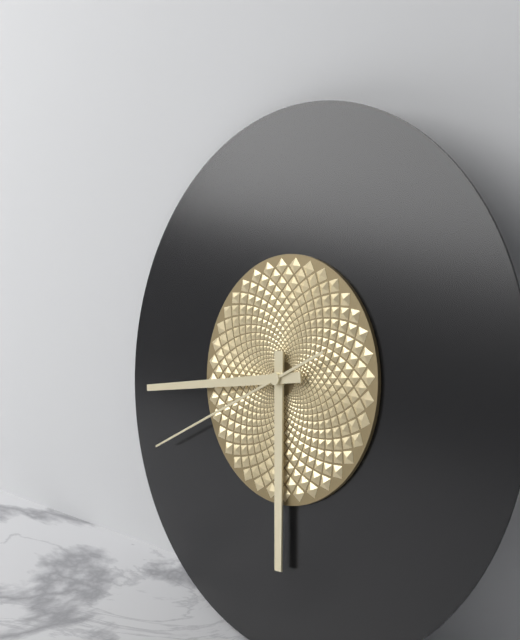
5:43:40
